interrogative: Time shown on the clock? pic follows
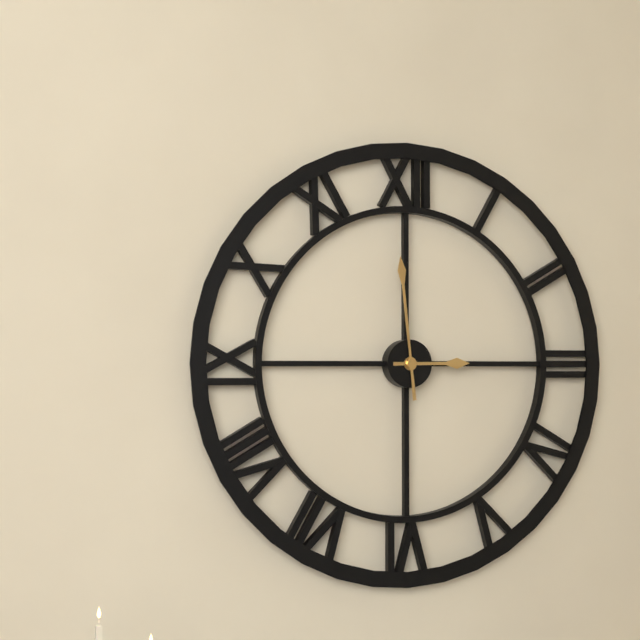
2:59
